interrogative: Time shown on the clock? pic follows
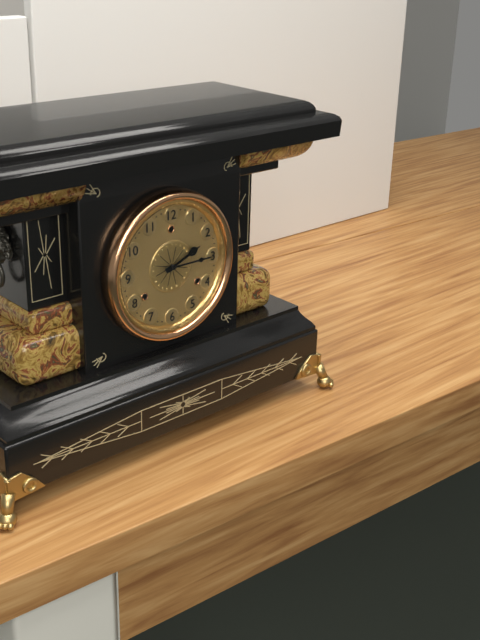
2:15
